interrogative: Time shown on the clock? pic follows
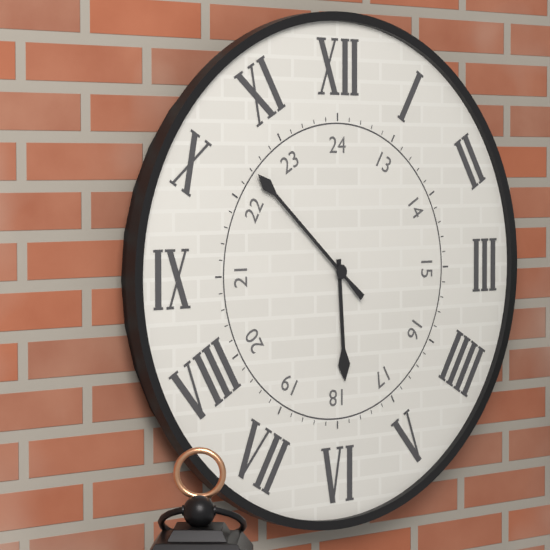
5:52
